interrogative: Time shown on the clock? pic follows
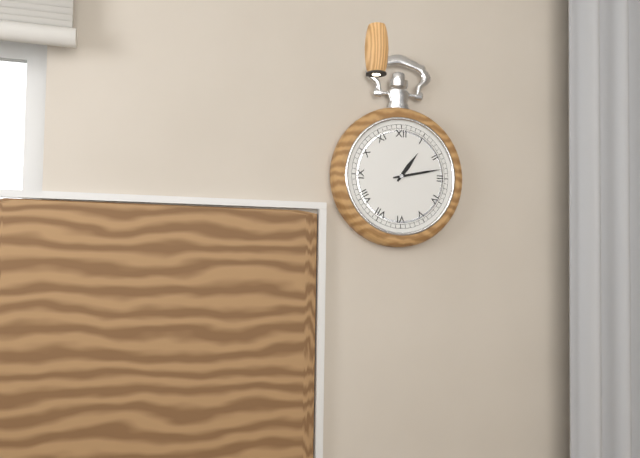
1:13
